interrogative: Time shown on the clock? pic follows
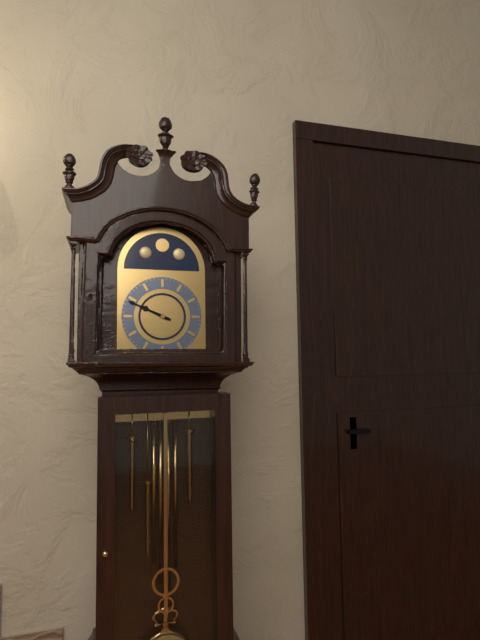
9:49
